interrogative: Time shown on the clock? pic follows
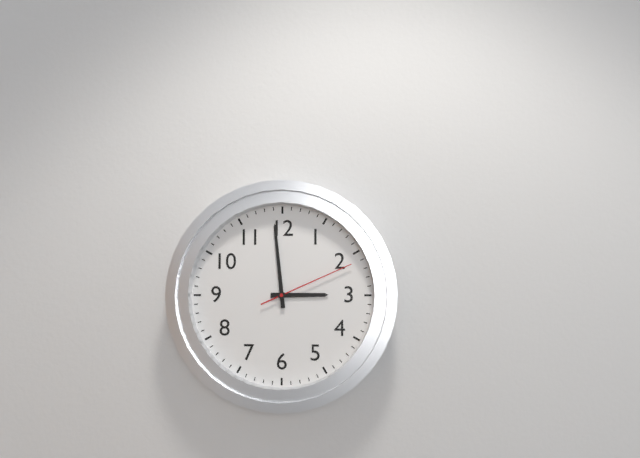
2:59:11
